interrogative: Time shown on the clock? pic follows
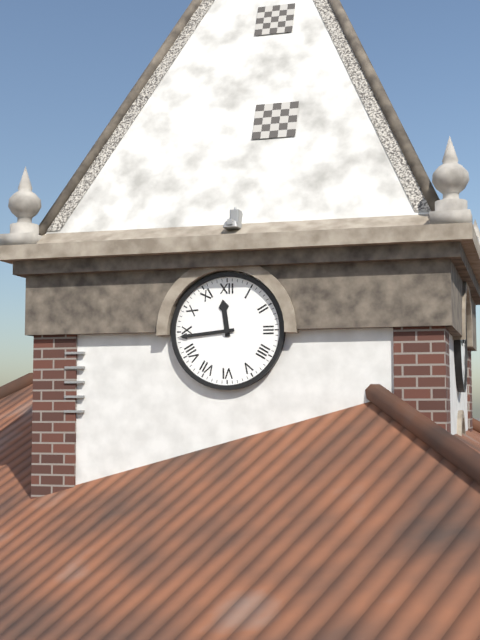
11:44
